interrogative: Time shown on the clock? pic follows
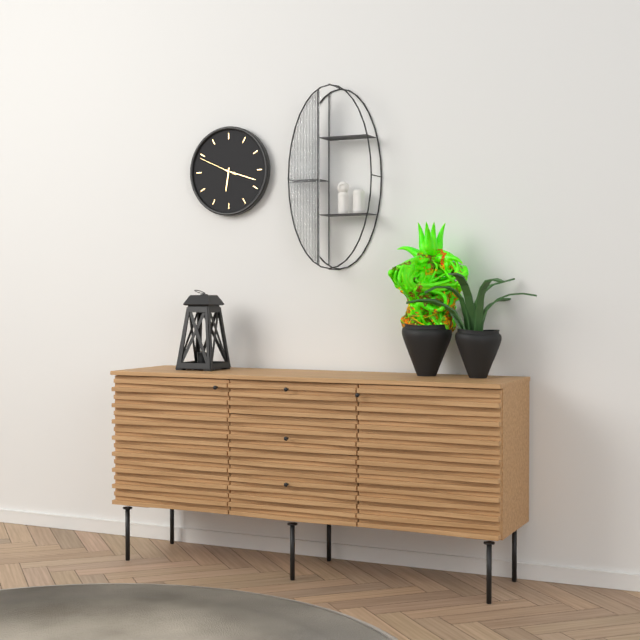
6:18
